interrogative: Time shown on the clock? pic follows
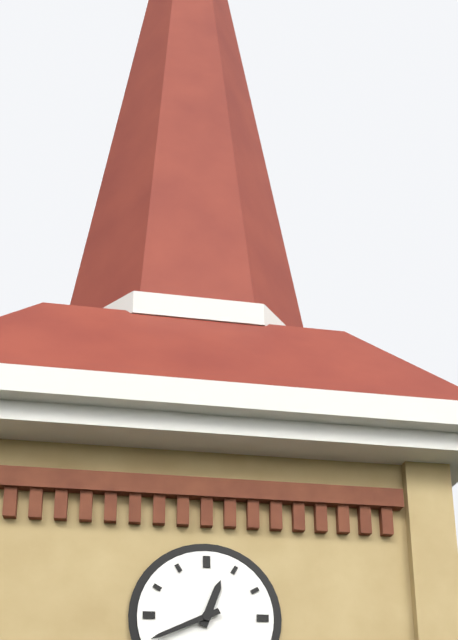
12:41
